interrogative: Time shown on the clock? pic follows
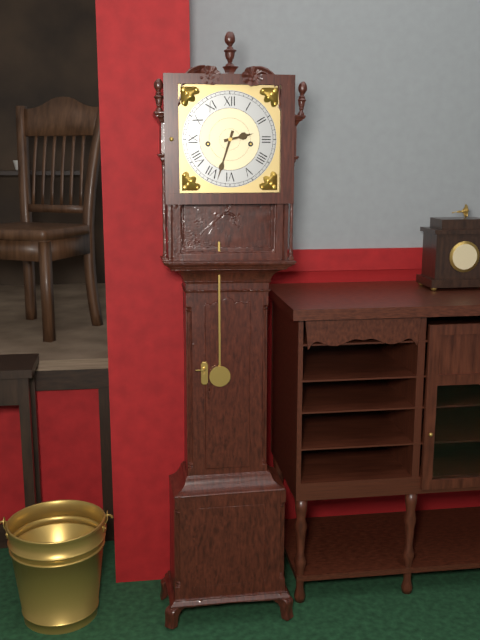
2:33
